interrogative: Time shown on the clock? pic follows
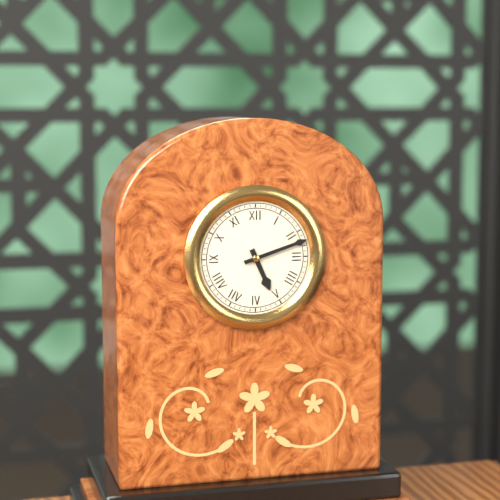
5:12
